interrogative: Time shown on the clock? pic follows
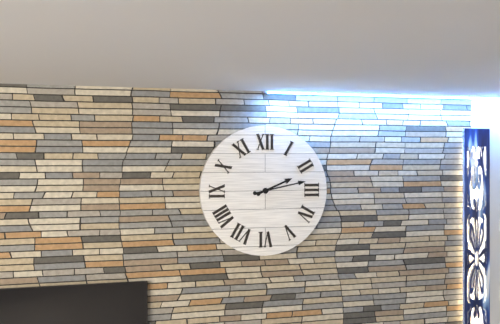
2:13
